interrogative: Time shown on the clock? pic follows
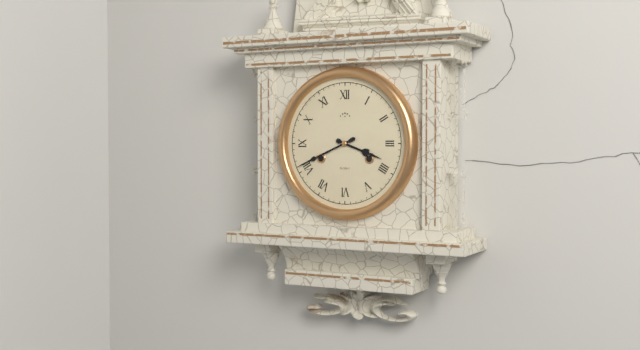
3:41
